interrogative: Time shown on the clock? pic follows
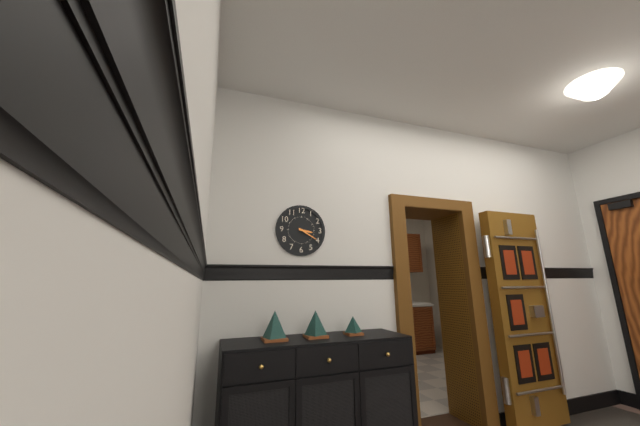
3:20
